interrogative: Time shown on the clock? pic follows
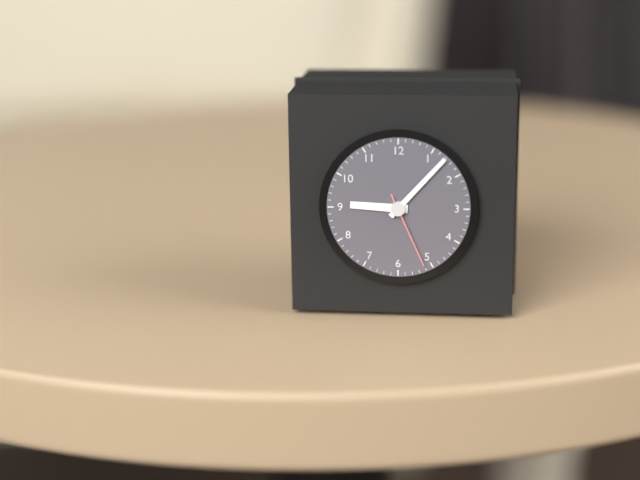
9:07:26
